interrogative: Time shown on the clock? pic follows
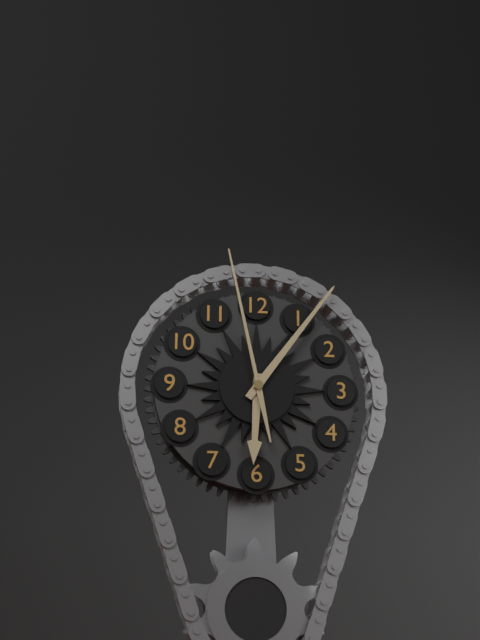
6:06:58
